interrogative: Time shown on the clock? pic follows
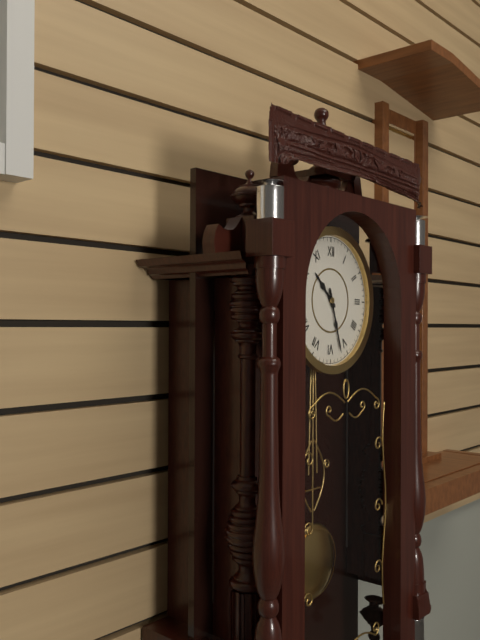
10:27
